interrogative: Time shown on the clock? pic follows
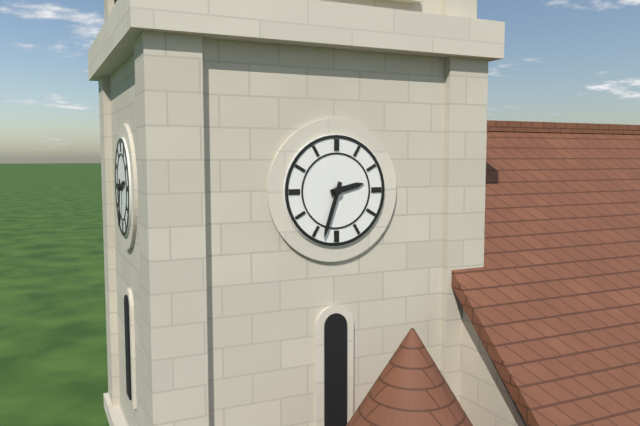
2:33
